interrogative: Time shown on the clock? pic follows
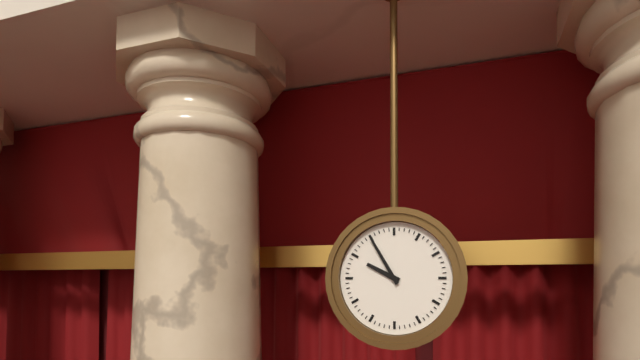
9:55
